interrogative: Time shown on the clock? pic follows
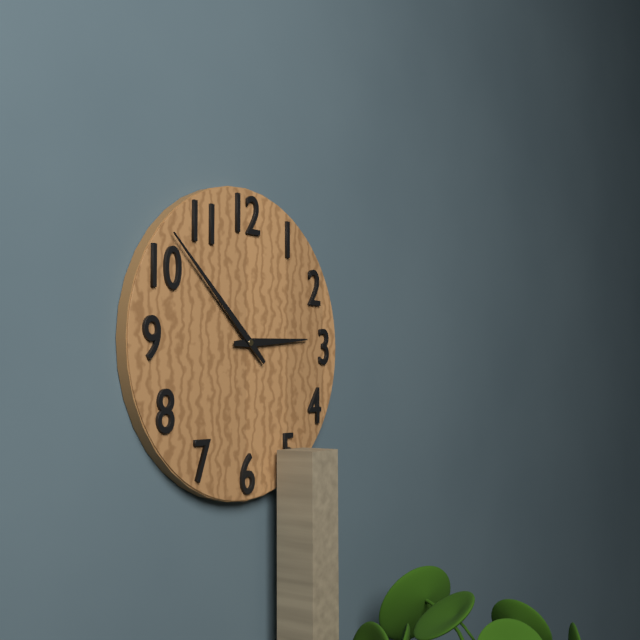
2:52
